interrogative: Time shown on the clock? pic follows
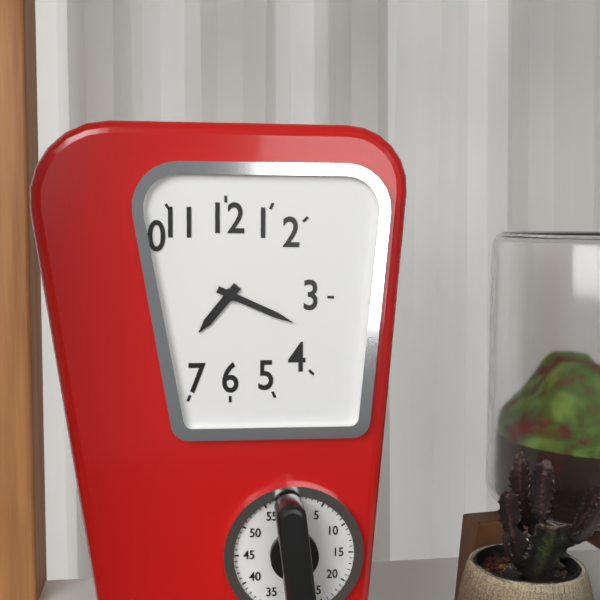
7:19
